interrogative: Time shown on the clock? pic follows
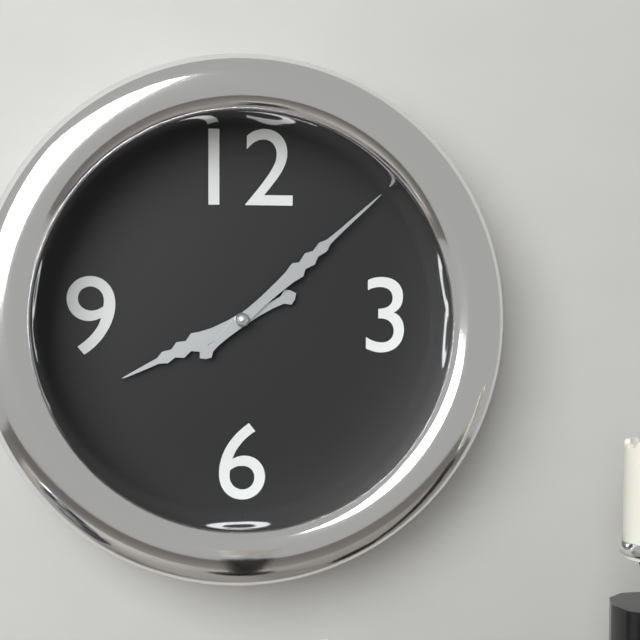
8:08
